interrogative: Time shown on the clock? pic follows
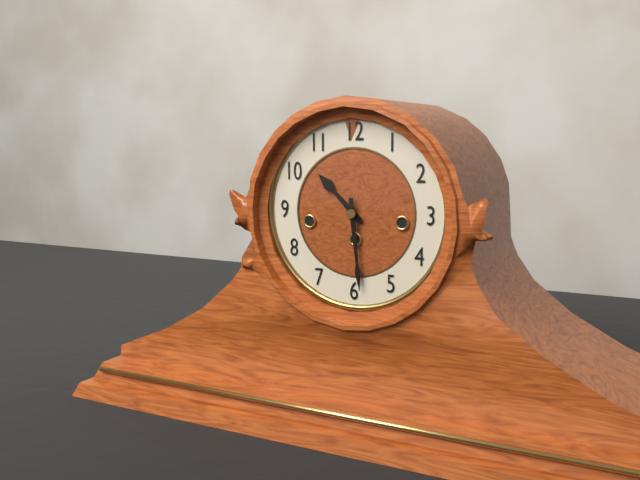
10:29
